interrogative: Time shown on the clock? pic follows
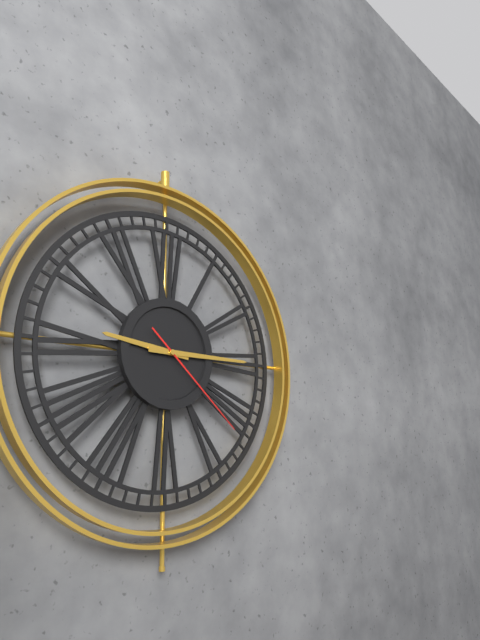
9:15:22
